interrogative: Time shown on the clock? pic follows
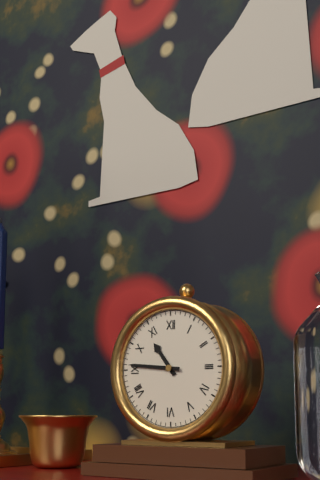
10:46
